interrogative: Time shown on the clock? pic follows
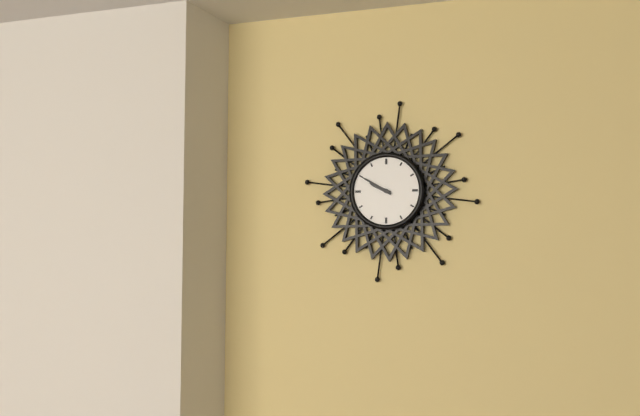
9:50
